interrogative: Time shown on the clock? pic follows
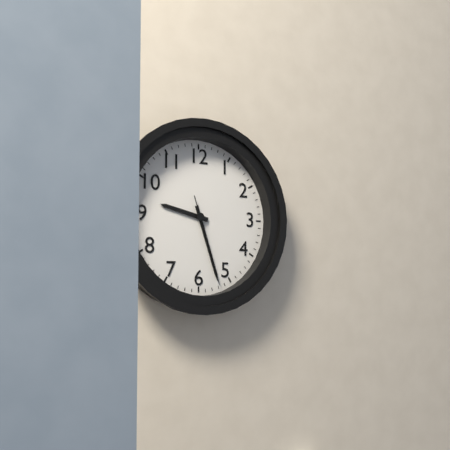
9:27:27
